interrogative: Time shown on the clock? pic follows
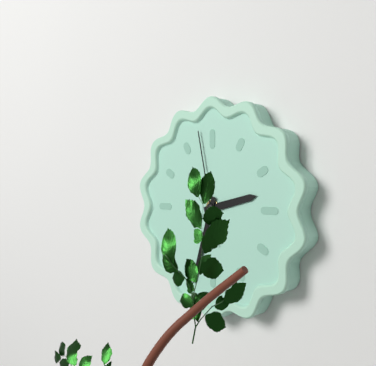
2:33:58
